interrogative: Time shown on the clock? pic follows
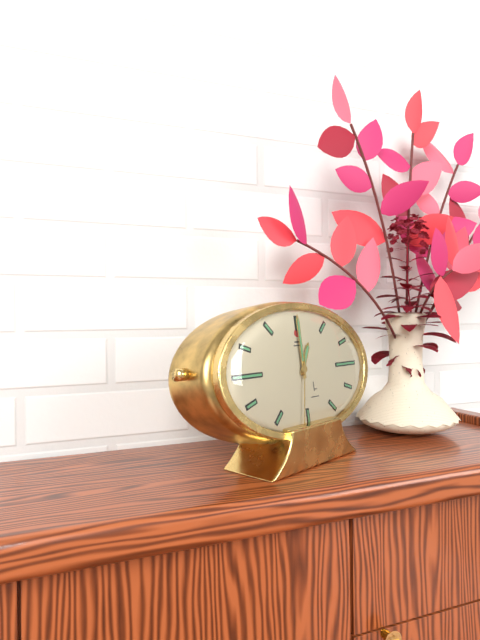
1:00:32
